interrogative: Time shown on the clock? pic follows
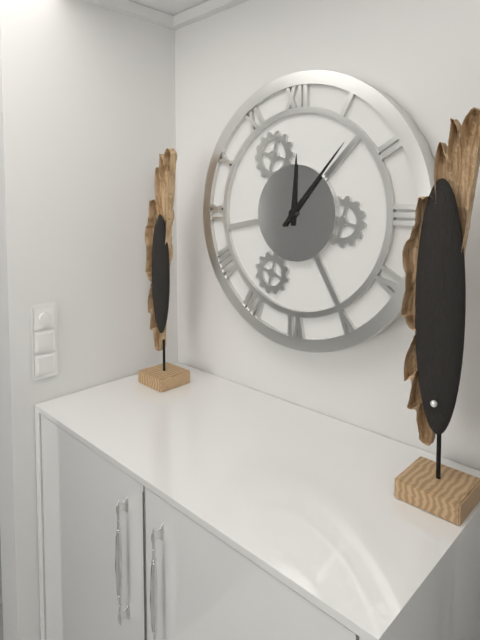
12:07
